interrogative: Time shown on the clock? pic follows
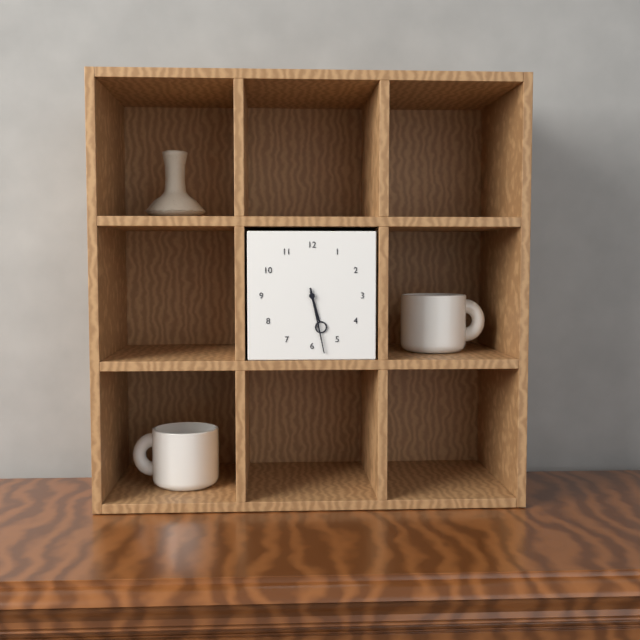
5:28
